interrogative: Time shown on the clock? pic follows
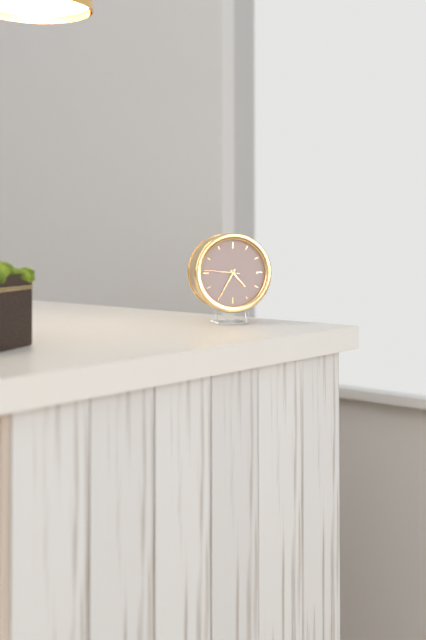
4:35
